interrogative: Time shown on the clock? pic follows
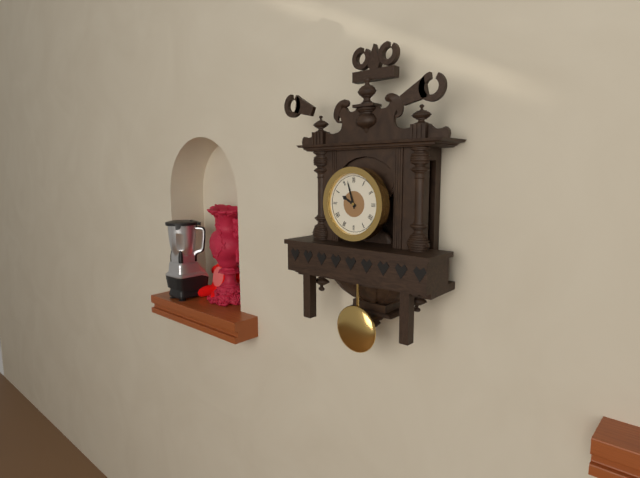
9:57
